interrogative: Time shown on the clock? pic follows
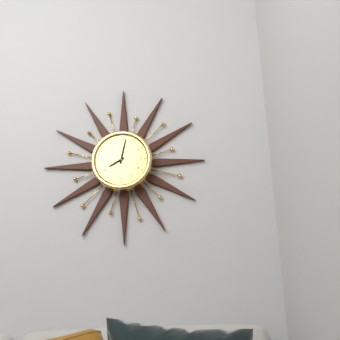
8:02
